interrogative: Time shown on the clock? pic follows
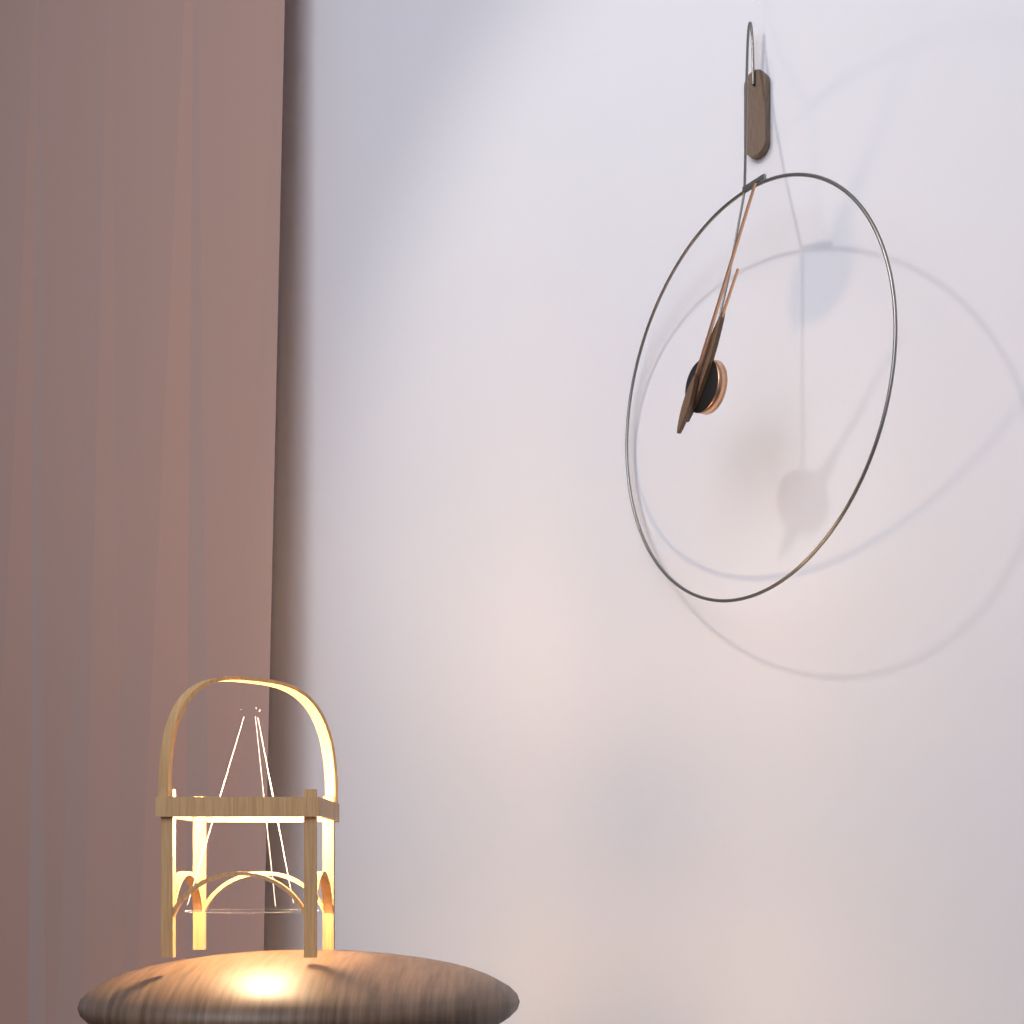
1:05
